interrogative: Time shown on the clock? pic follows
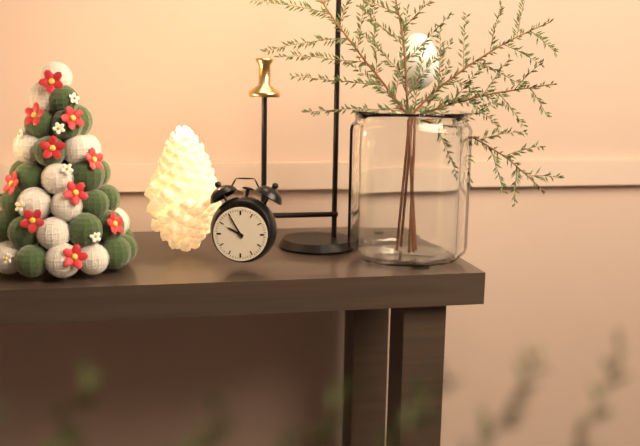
9:55
